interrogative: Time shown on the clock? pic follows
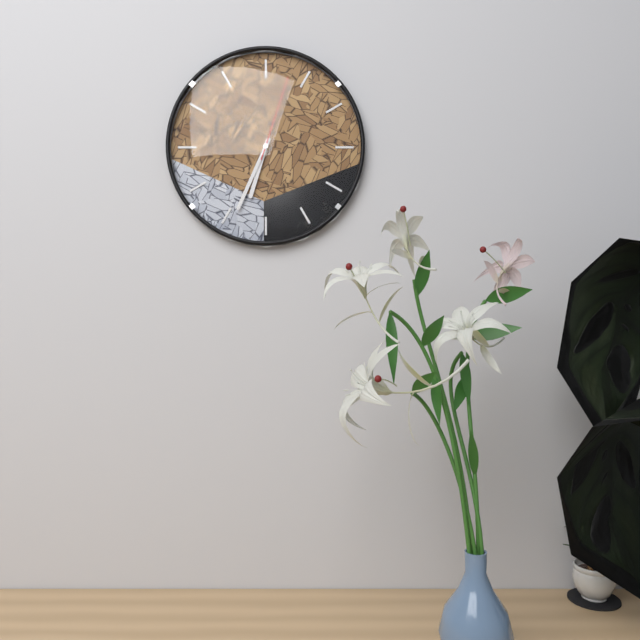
6:34:03
